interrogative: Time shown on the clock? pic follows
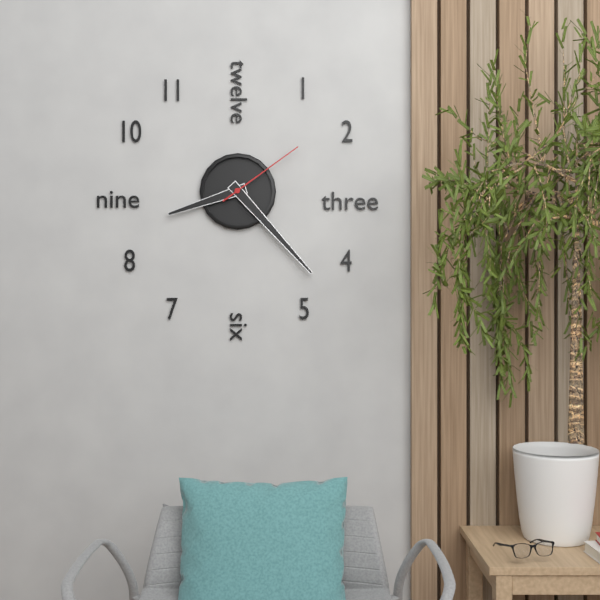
8:23:09
